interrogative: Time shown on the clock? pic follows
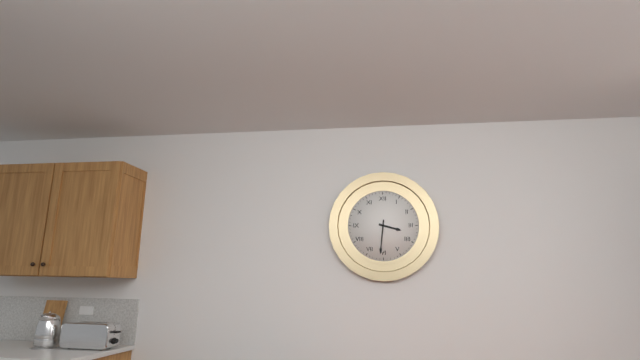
3:31
